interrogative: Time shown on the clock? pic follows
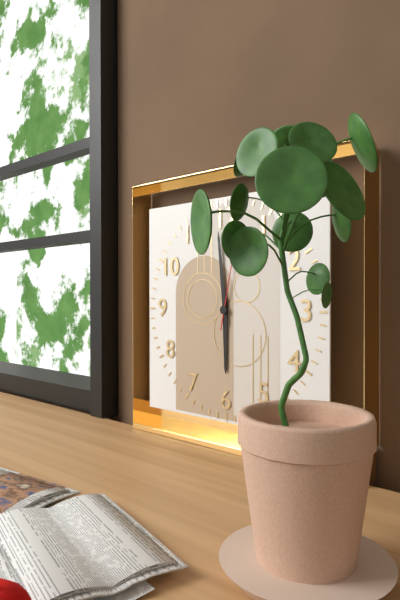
5:59
